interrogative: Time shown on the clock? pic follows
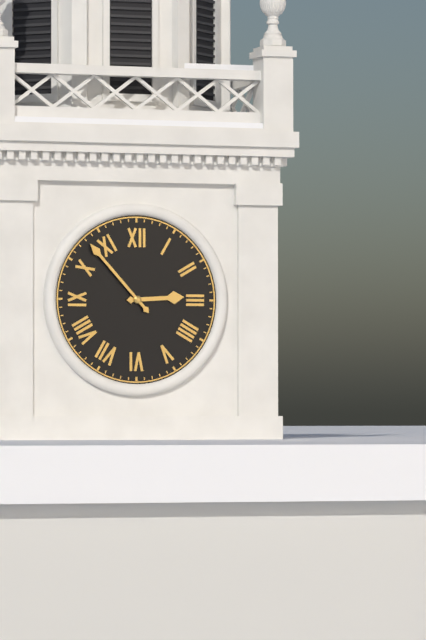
2:53
